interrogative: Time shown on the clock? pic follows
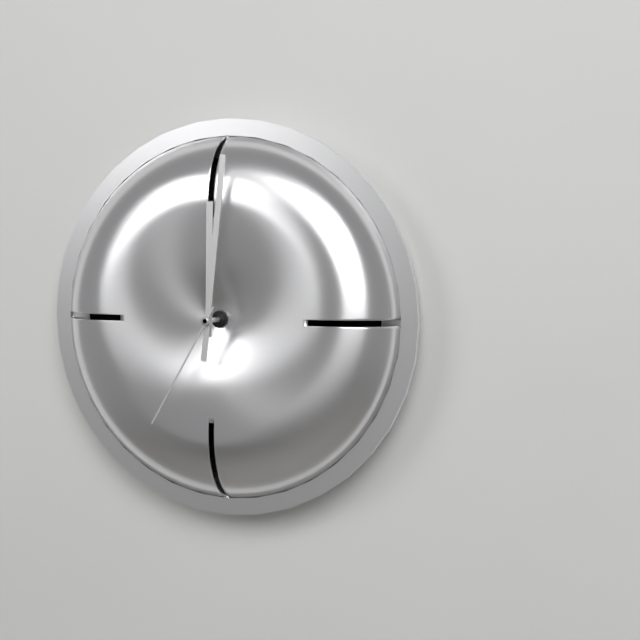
12:01:35
